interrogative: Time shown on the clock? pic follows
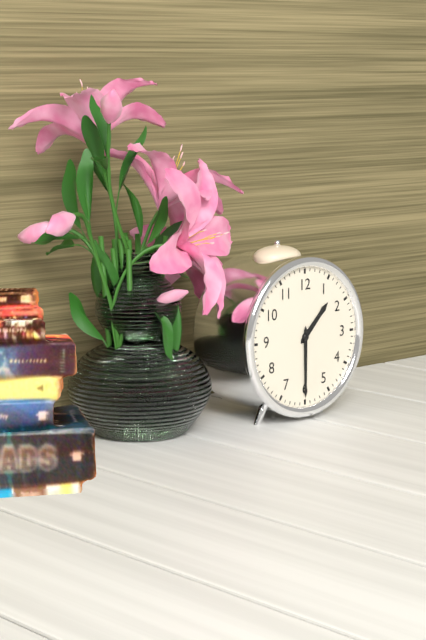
1:30
